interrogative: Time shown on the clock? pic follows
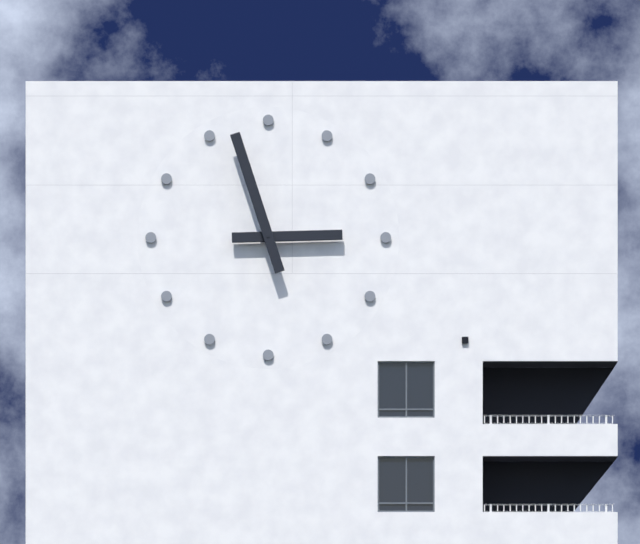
2:57
